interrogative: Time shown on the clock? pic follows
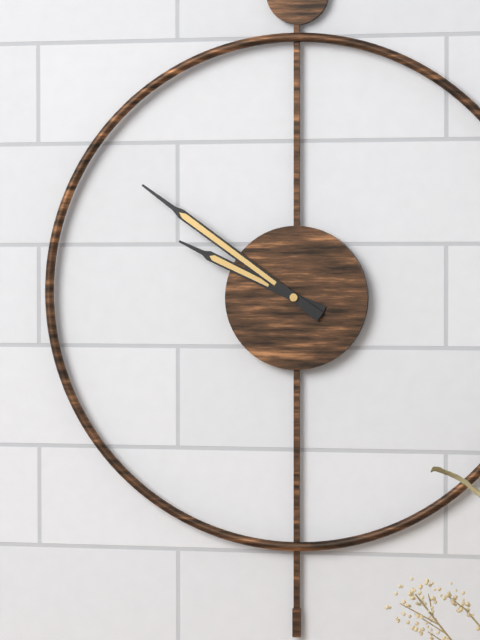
9:51
